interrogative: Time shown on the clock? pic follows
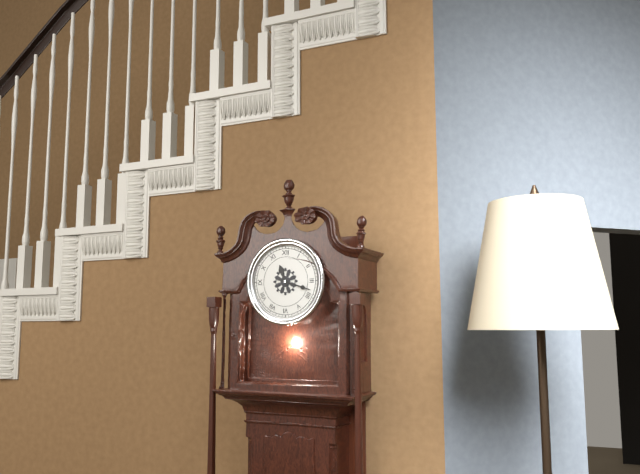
11:18
